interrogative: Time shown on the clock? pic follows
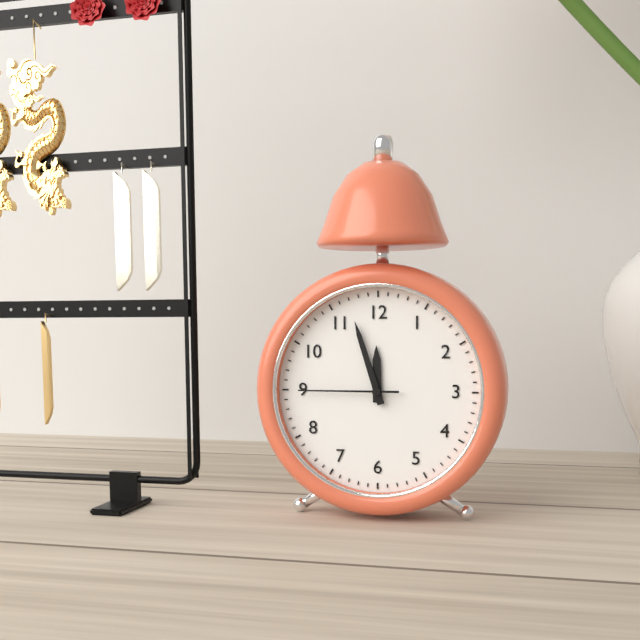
11:57:45
